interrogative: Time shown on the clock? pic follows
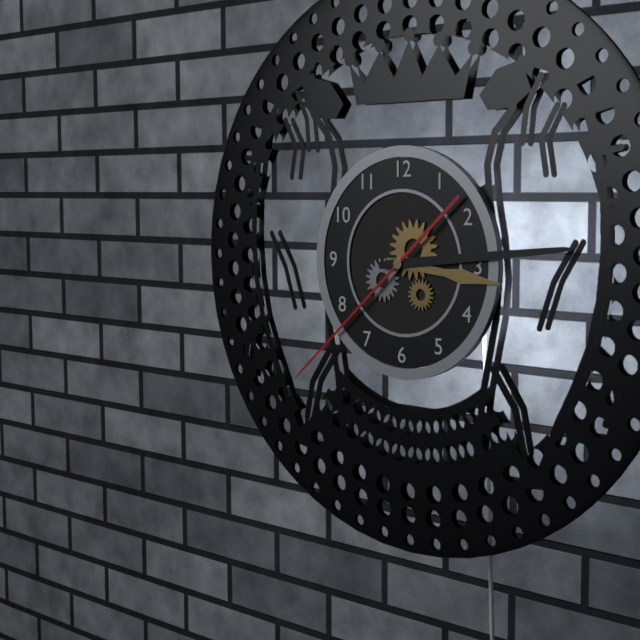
3:14:38
